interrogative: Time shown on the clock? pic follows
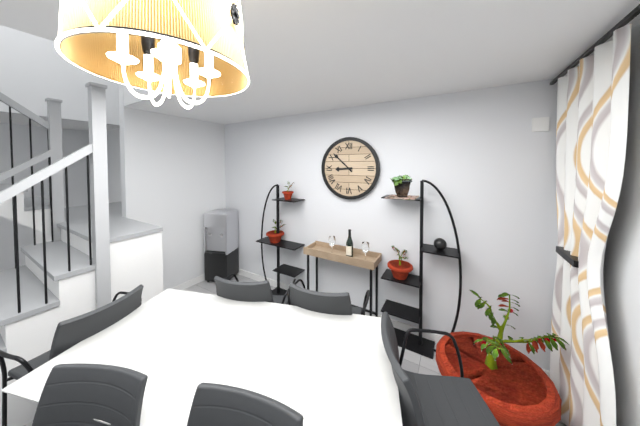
8:52
